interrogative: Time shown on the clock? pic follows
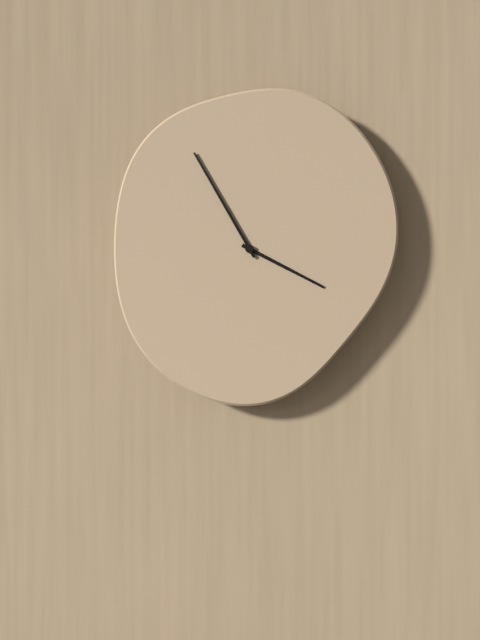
3:55
